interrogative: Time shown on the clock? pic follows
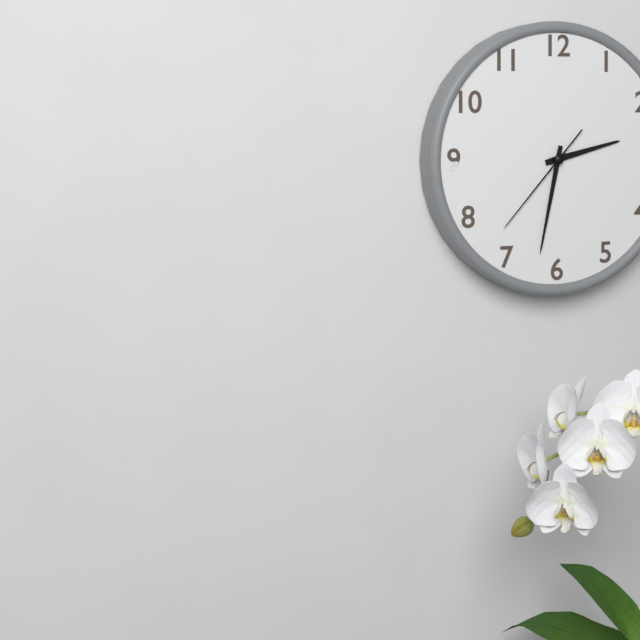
2:32:37
